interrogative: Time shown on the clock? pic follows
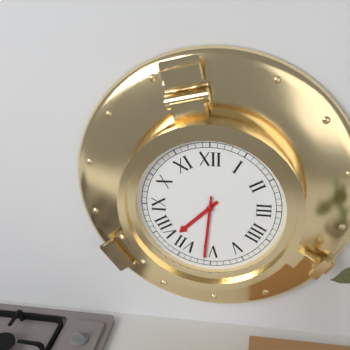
7:31
